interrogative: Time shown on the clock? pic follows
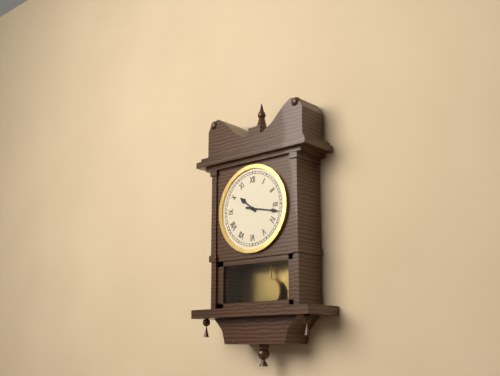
10:17
